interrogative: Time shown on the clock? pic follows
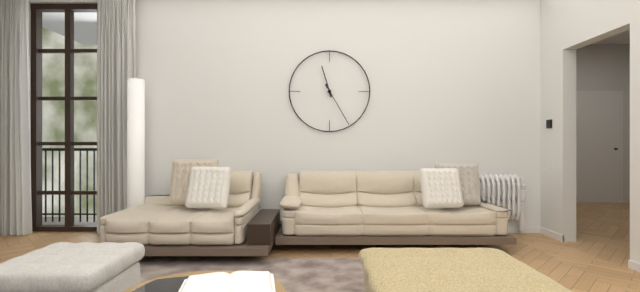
11:25
